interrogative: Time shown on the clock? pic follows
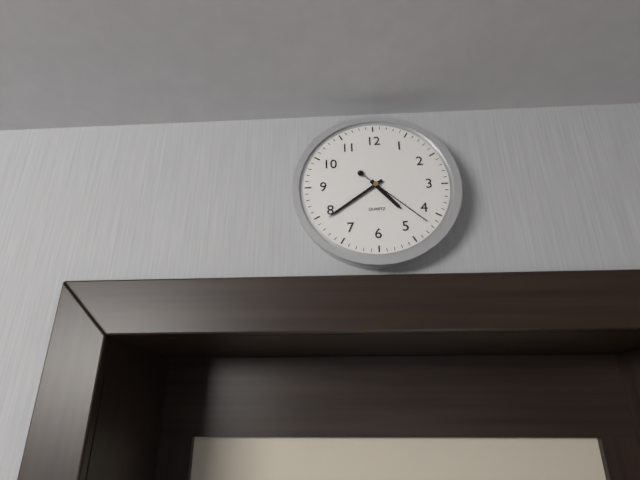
4:39:22
